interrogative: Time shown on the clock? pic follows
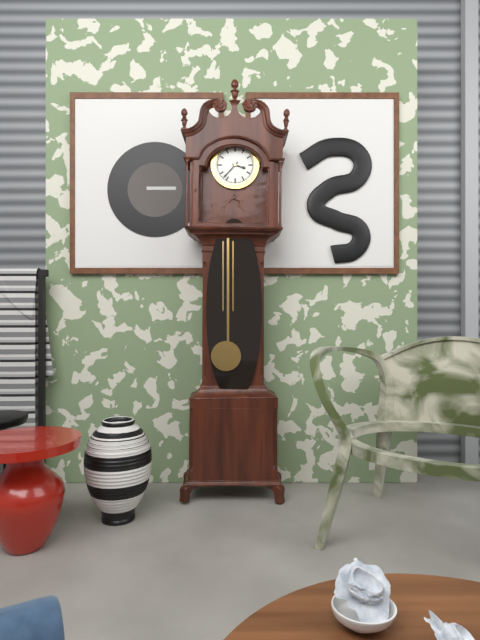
3:37
